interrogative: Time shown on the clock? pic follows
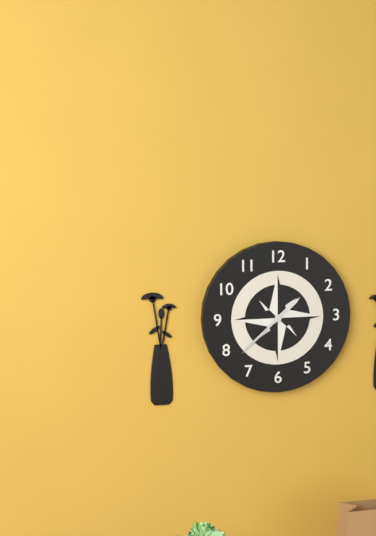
1:38
